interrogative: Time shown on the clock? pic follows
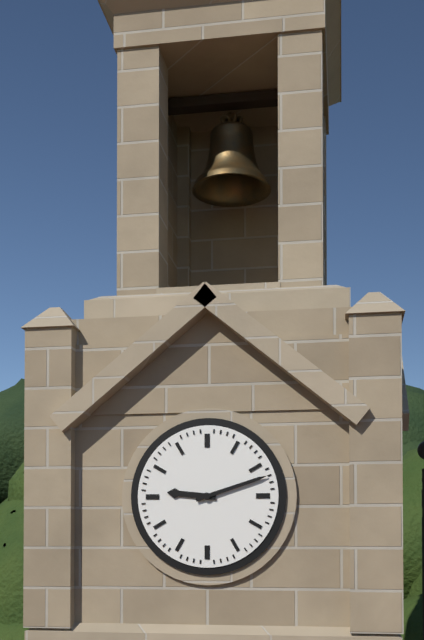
9:12
